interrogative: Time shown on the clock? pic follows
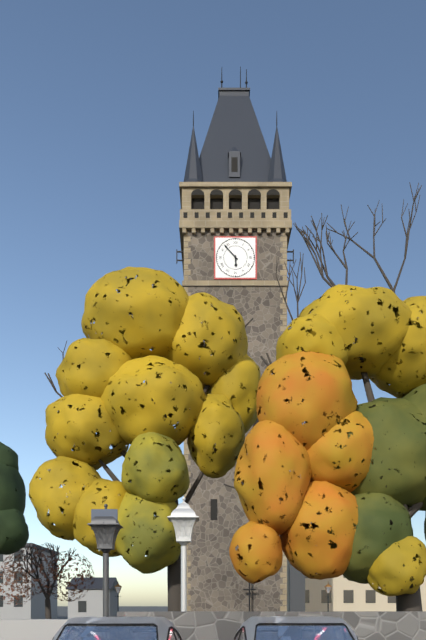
5:53
